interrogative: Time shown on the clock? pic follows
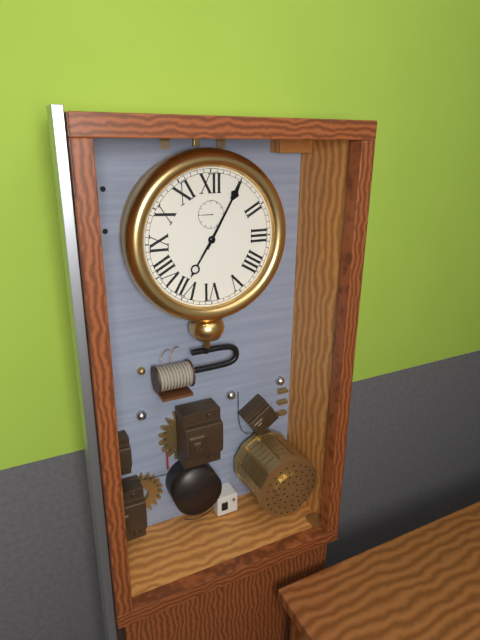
7:05
